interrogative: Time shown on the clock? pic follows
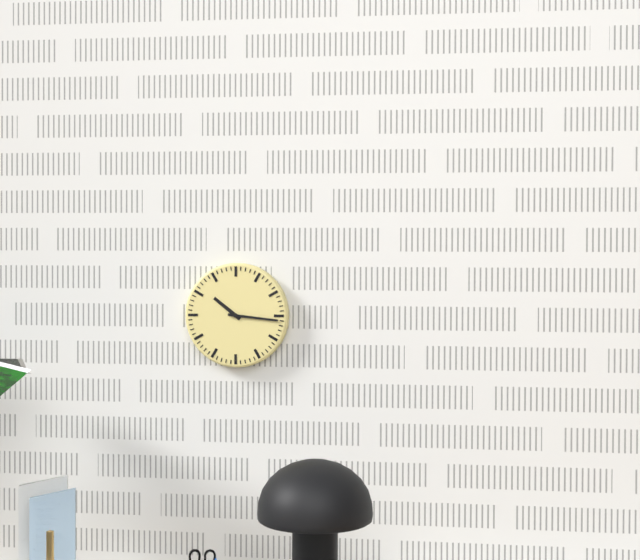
10:16
